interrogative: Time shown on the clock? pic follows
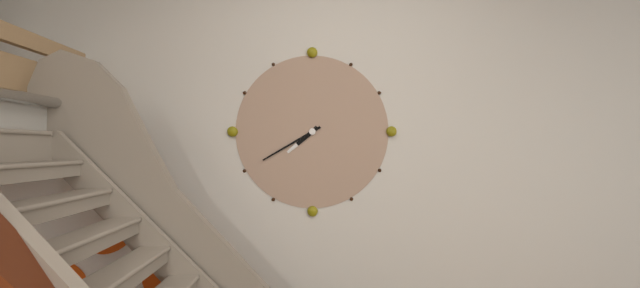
7:40
